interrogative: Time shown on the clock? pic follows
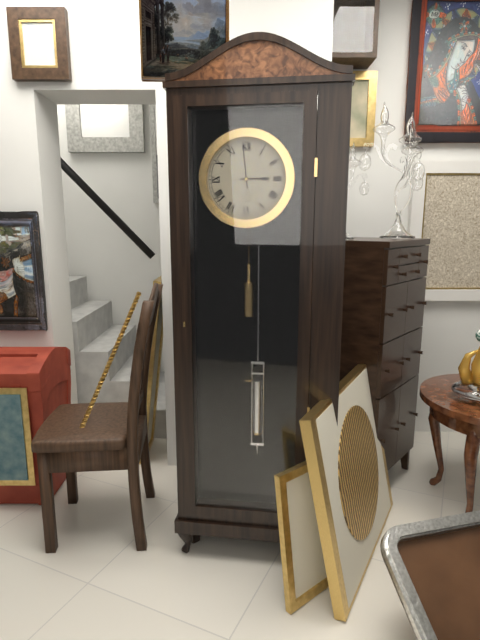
2:59
